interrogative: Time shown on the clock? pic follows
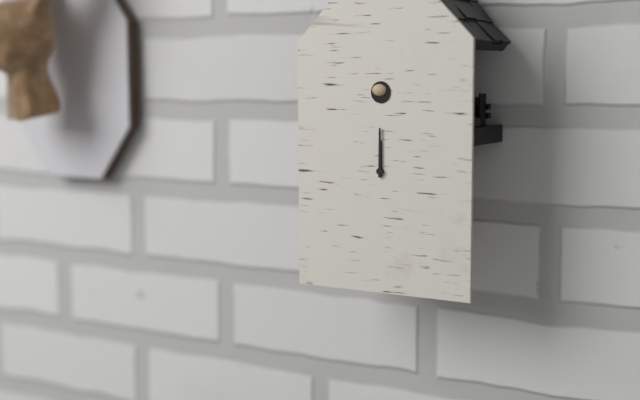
12:00
